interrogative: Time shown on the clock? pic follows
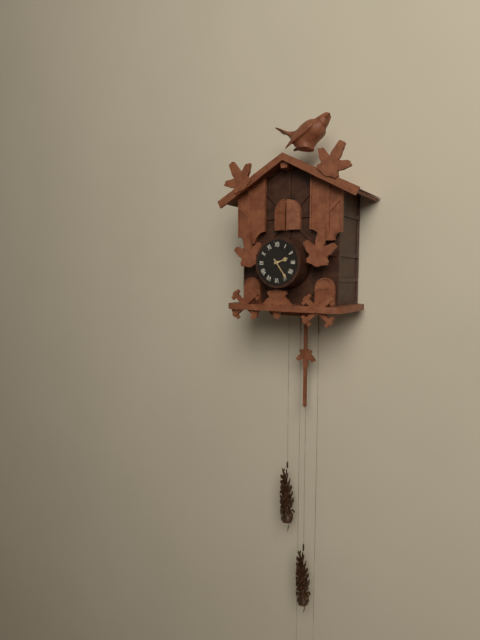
2:24
